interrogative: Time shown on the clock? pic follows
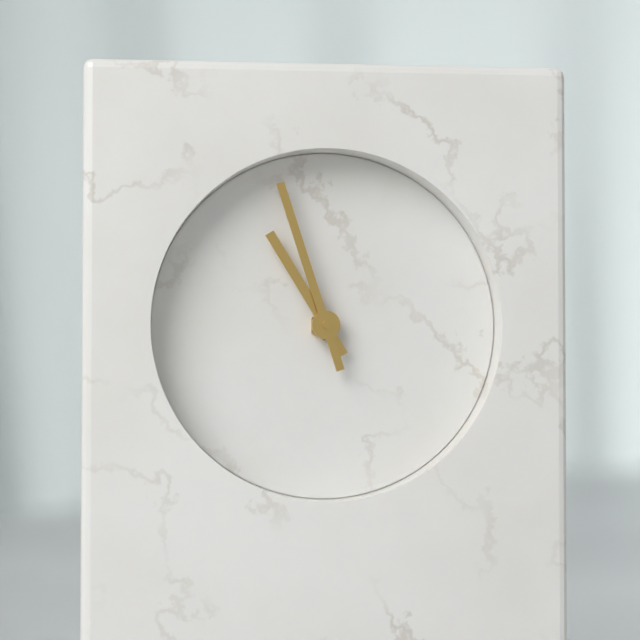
10:57
